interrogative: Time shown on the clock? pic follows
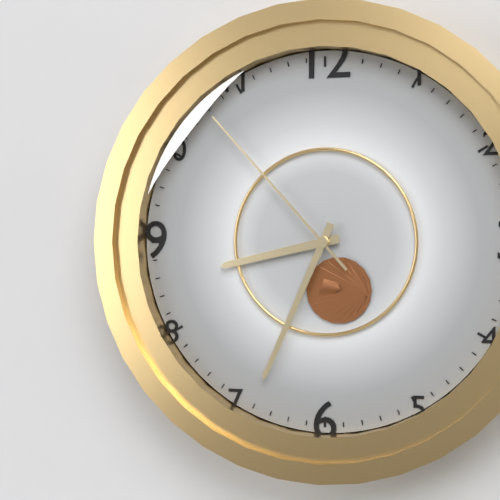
8:34:53
